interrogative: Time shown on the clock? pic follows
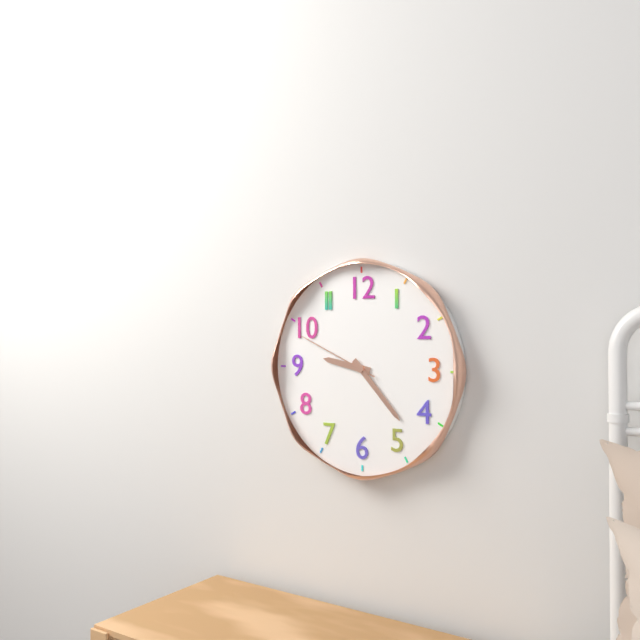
9:23:49
